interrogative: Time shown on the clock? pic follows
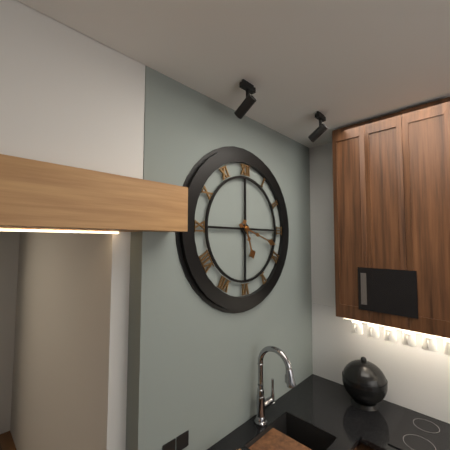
5:18
